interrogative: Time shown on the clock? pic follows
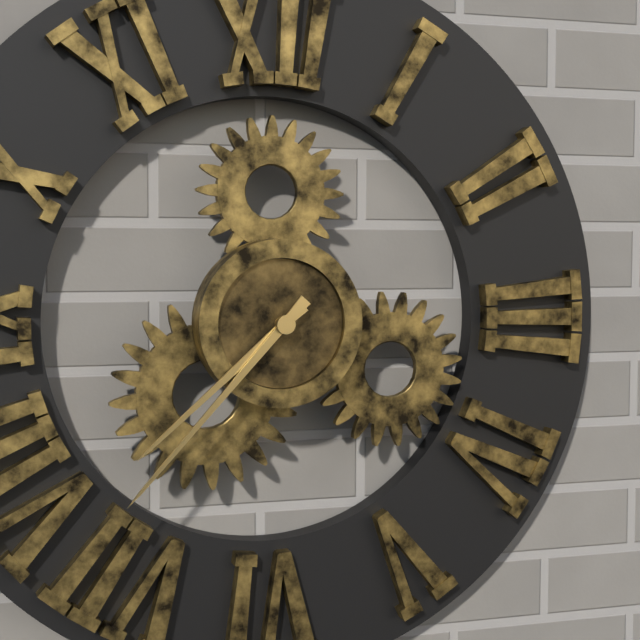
7:37
